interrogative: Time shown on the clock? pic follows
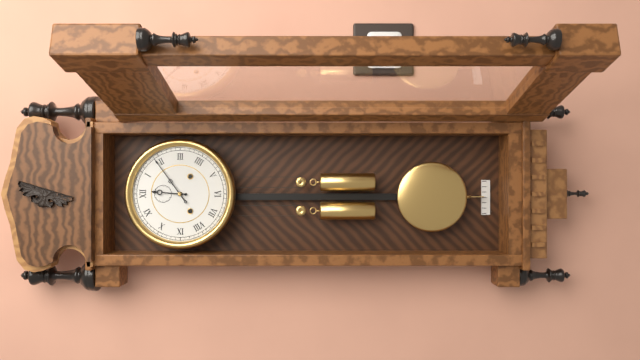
12:09
